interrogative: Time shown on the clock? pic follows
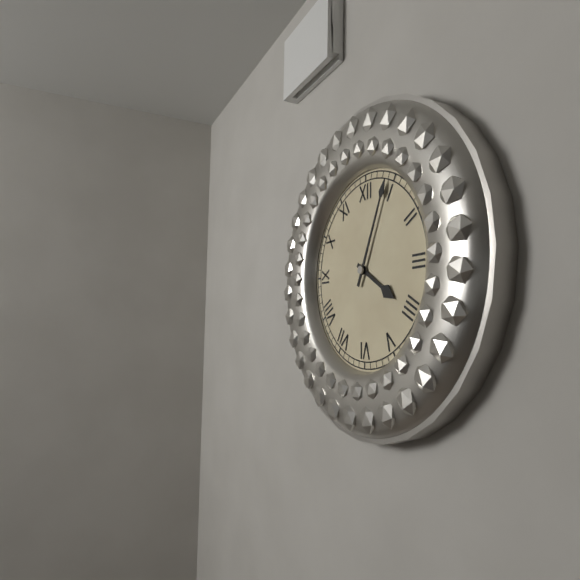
4:04
